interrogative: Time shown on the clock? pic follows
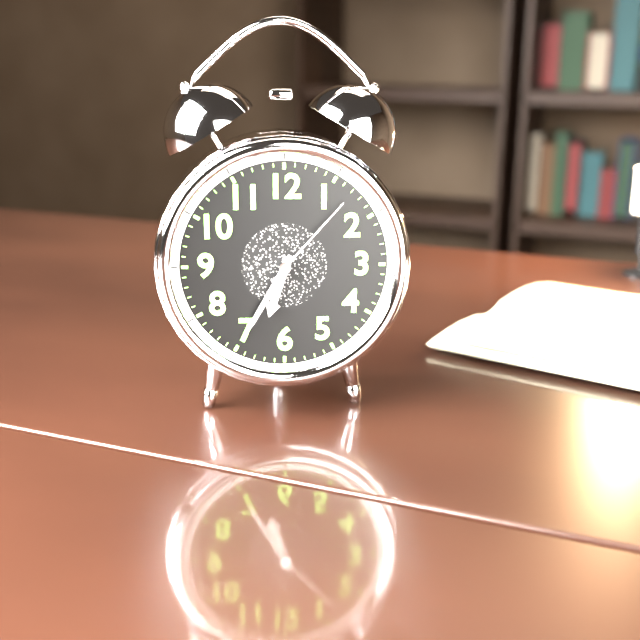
6:35:07
